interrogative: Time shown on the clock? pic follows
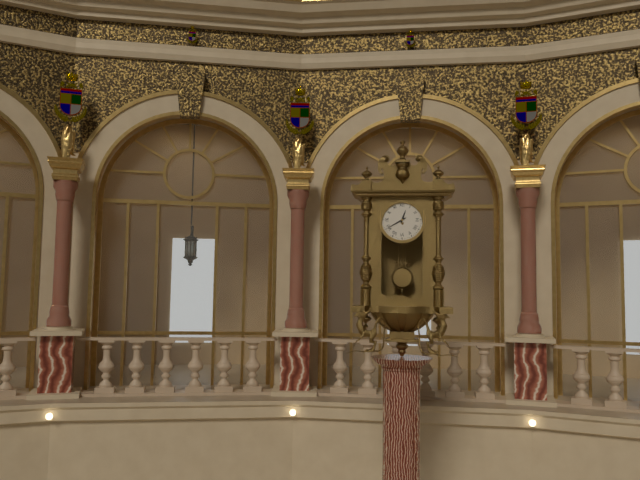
12:40
